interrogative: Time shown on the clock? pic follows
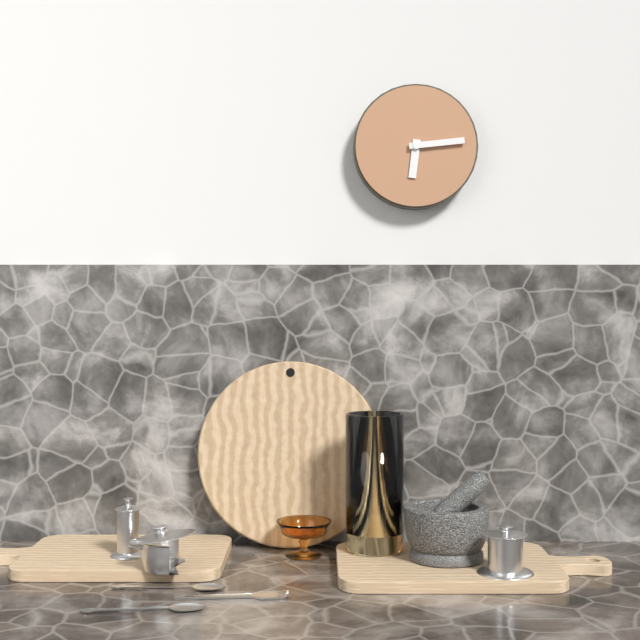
6:14
